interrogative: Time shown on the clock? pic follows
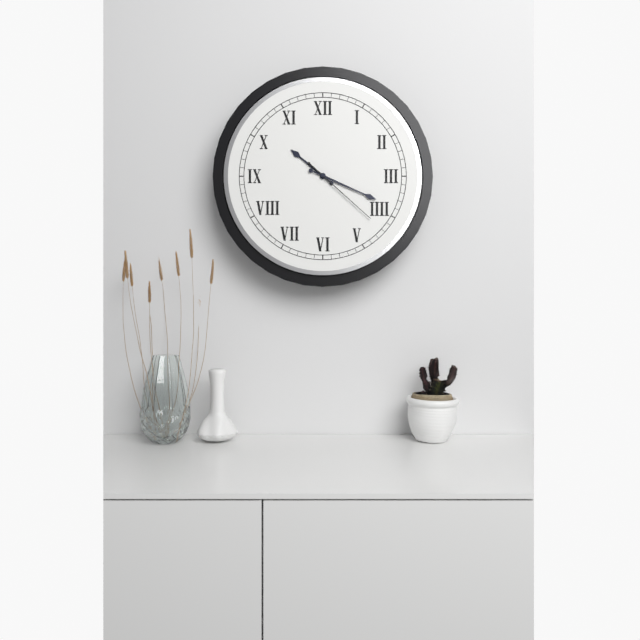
10:19:22
